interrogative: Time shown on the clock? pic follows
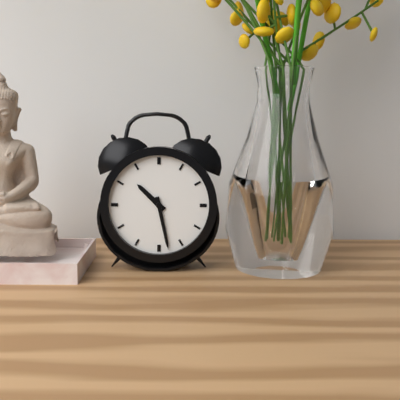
10:28
